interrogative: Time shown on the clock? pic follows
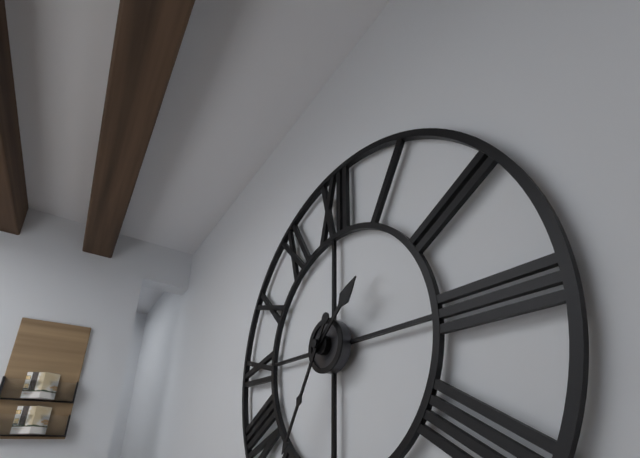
1:35
